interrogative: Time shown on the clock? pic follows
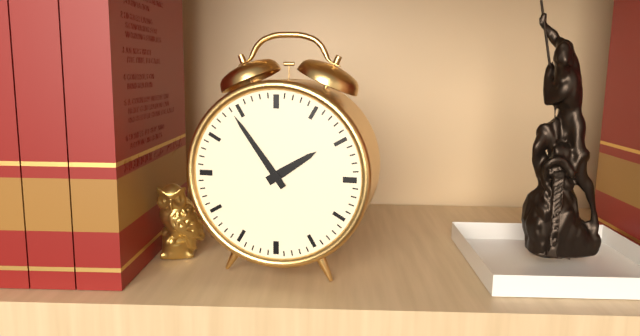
1:54
